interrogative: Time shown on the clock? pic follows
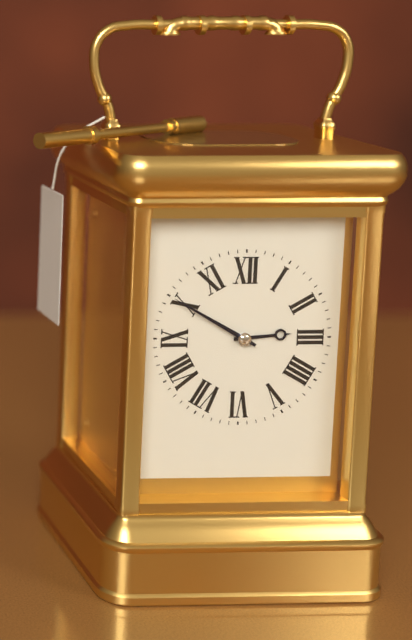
2:50
